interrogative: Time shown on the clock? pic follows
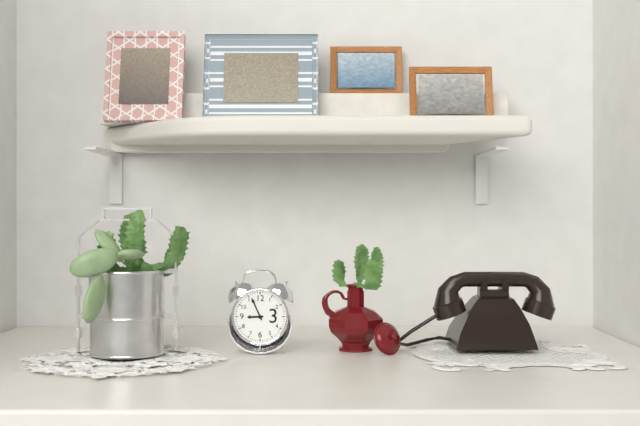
8:56
